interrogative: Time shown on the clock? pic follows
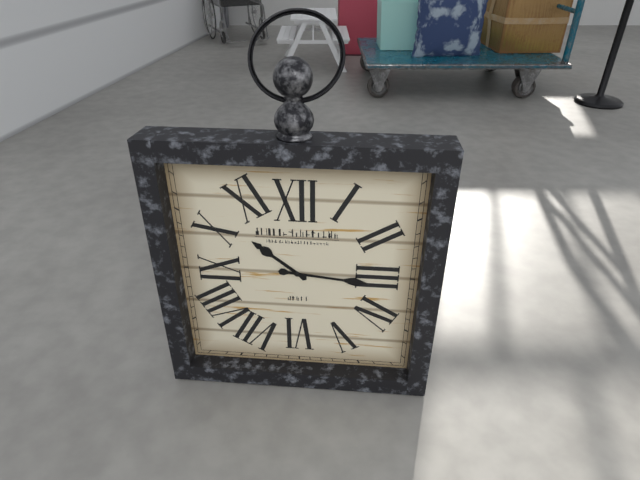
10:16
